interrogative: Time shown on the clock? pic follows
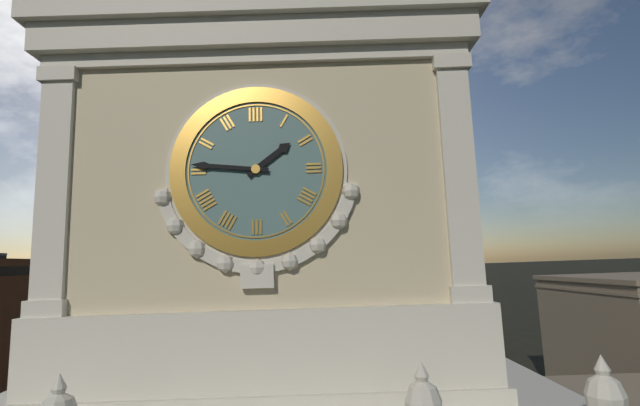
1:46
